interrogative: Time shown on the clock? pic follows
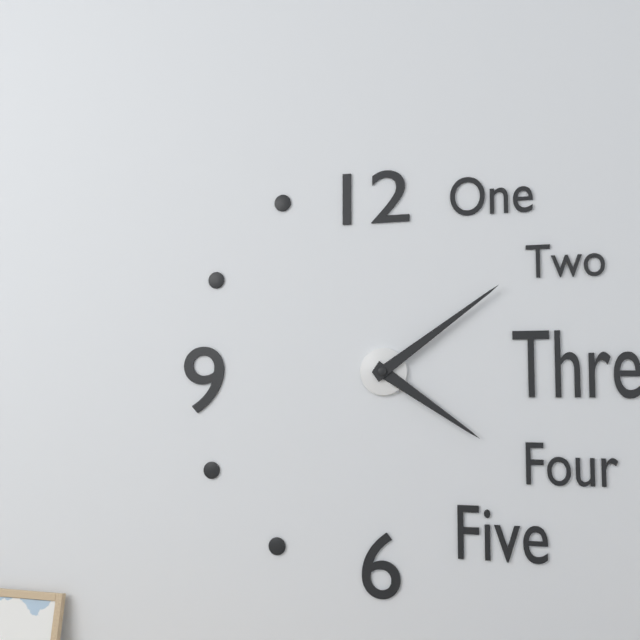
4:09
